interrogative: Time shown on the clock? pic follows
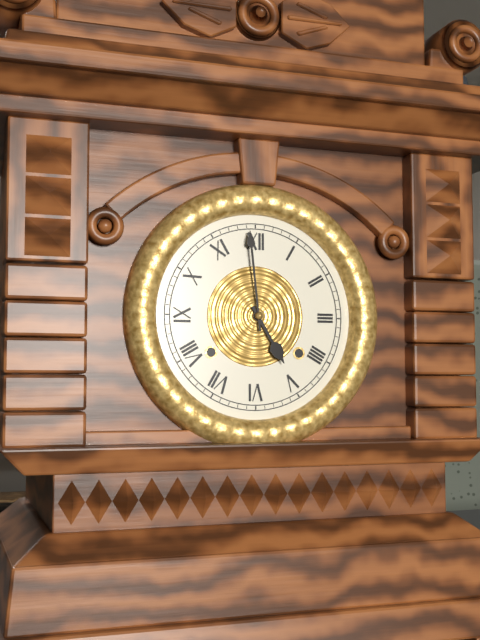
4:59
